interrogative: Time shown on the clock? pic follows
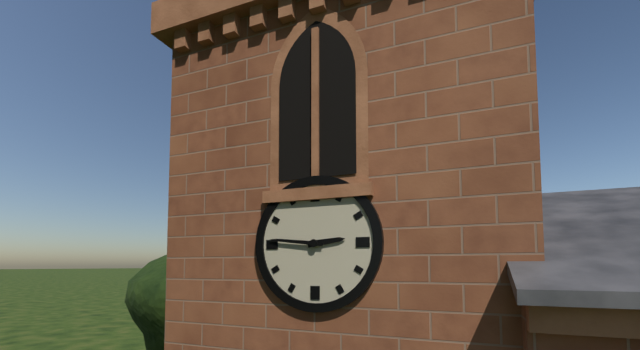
2:46
